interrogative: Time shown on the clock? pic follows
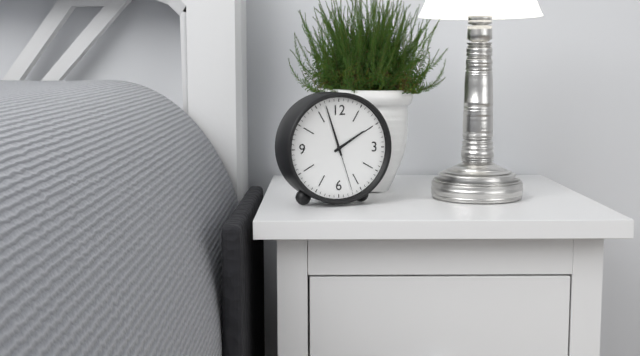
1:57:27
